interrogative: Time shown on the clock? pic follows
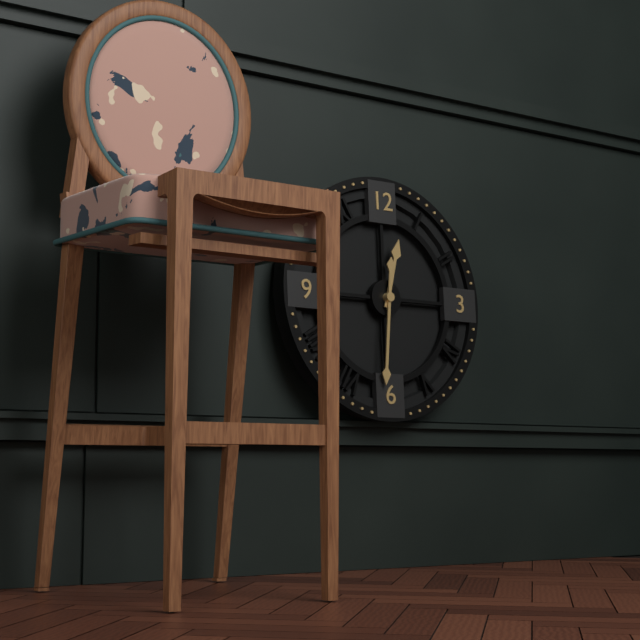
12:31
